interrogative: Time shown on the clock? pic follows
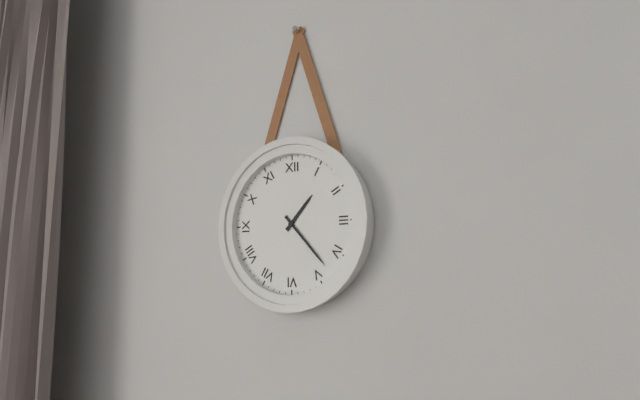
1:23
